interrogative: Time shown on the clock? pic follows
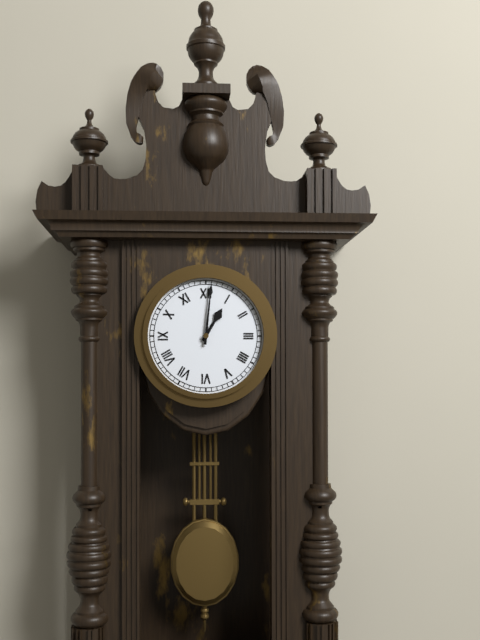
1:01
